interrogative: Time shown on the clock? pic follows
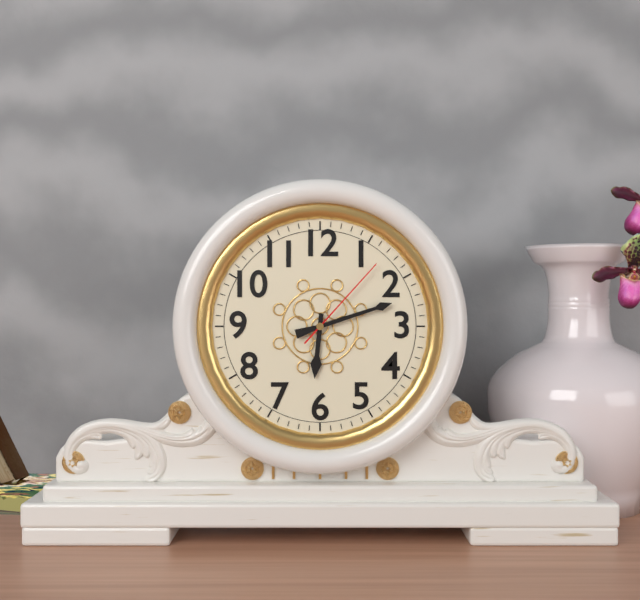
6:12:07
